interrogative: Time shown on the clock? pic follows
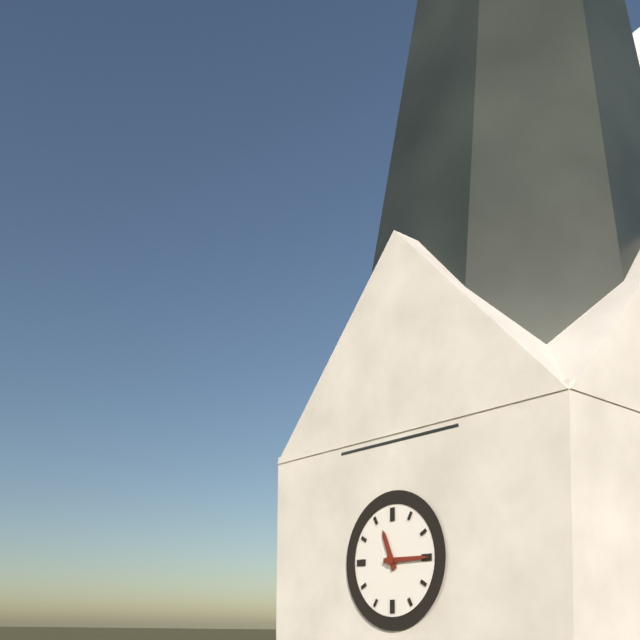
11:15
